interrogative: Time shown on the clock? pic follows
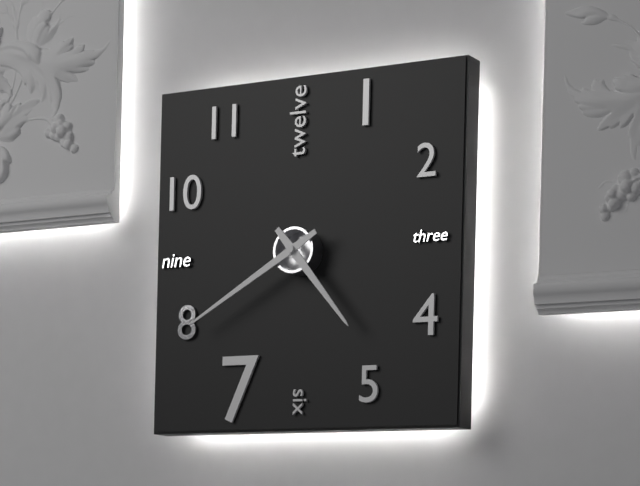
4:40
